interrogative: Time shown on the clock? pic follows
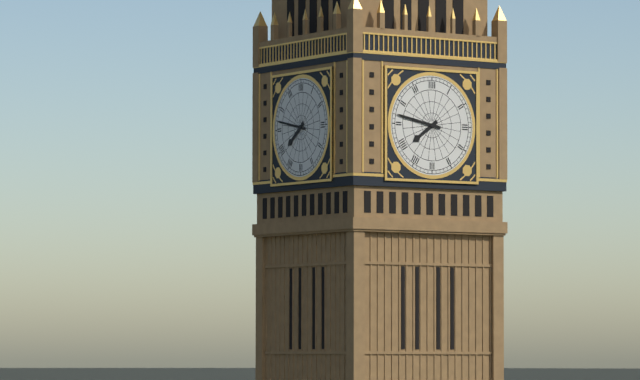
7:47
